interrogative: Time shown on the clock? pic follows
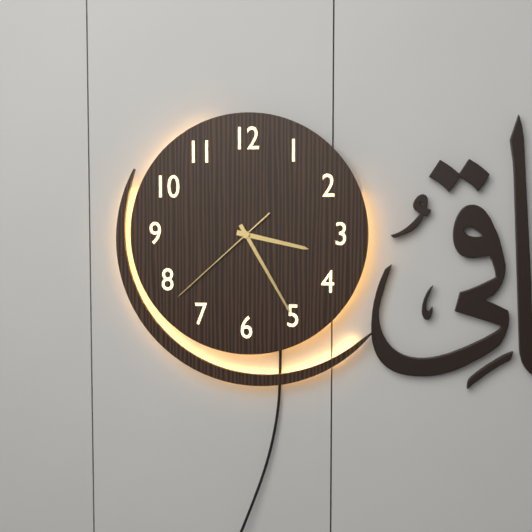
3:25:38
